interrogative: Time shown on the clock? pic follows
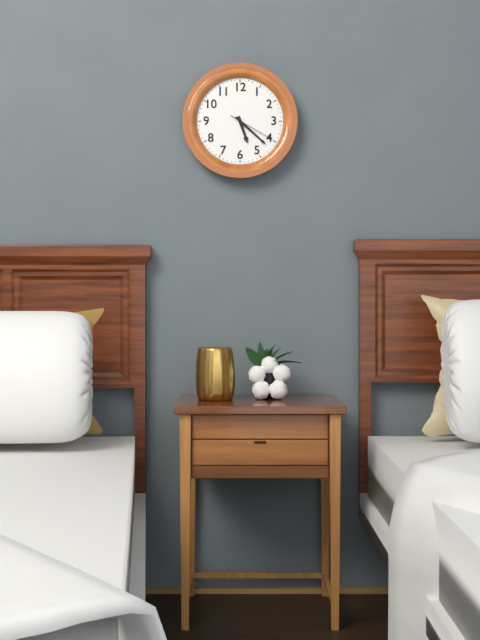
5:22
